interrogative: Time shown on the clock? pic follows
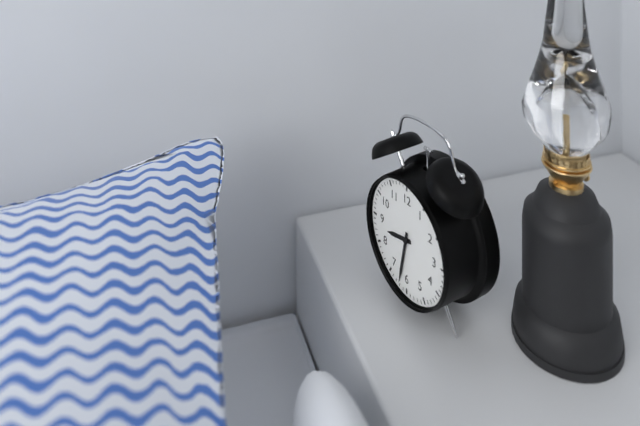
8:32
